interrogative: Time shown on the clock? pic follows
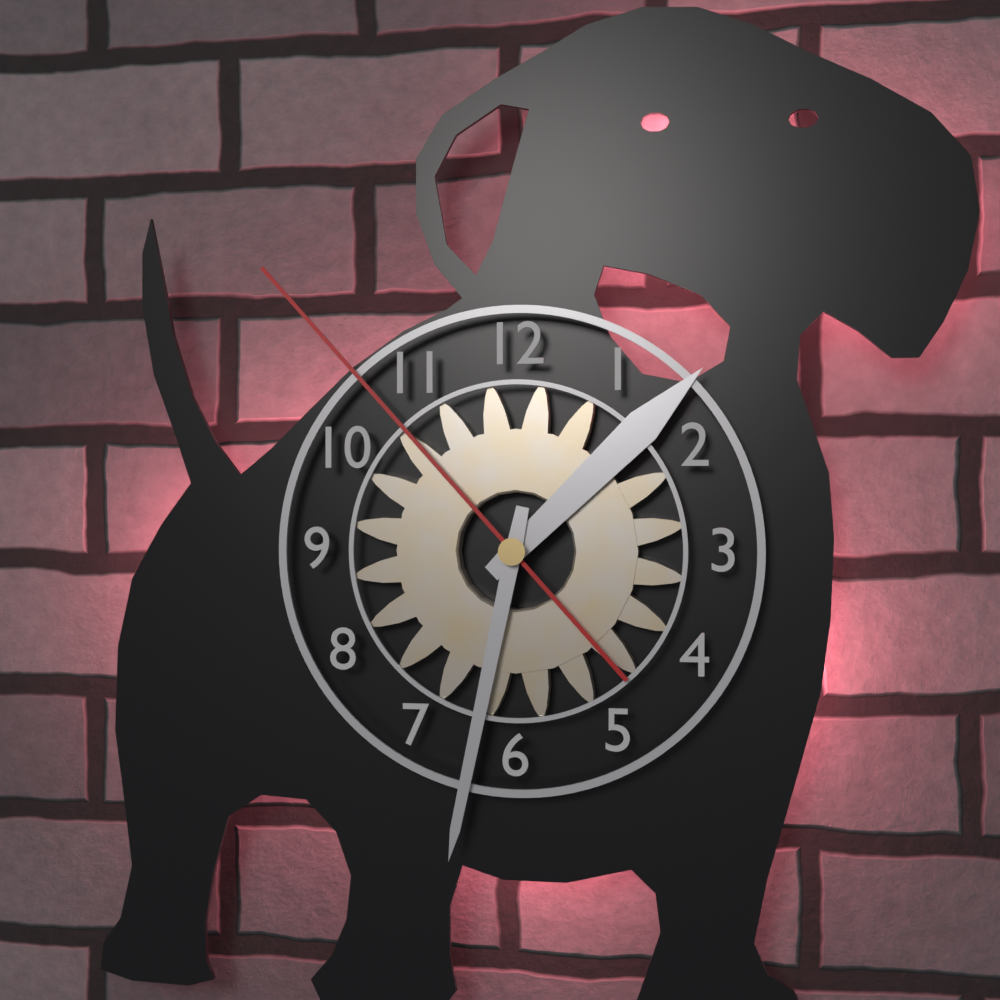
1:32:53
